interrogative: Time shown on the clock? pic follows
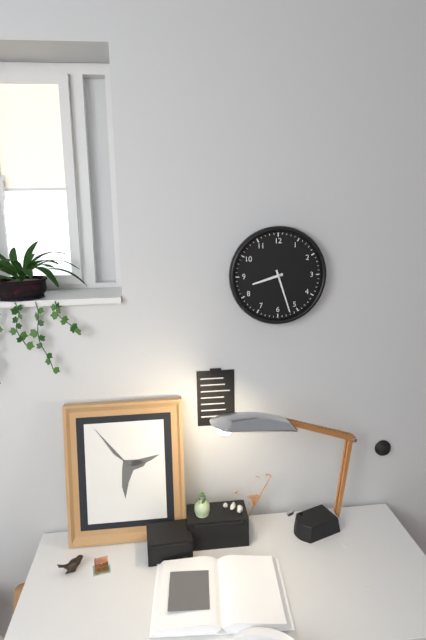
8:27
